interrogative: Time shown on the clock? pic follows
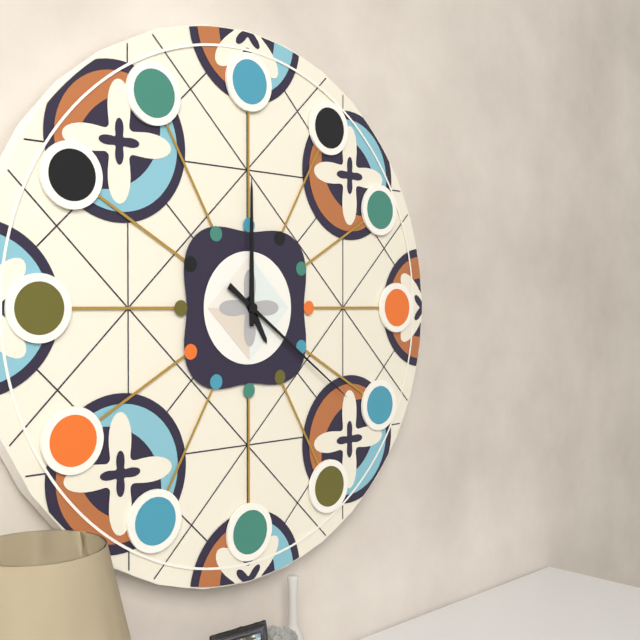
5:00:21
